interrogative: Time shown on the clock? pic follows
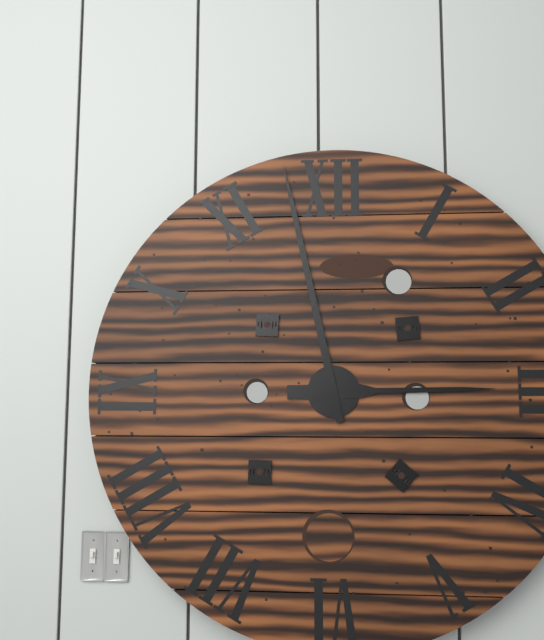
2:58
